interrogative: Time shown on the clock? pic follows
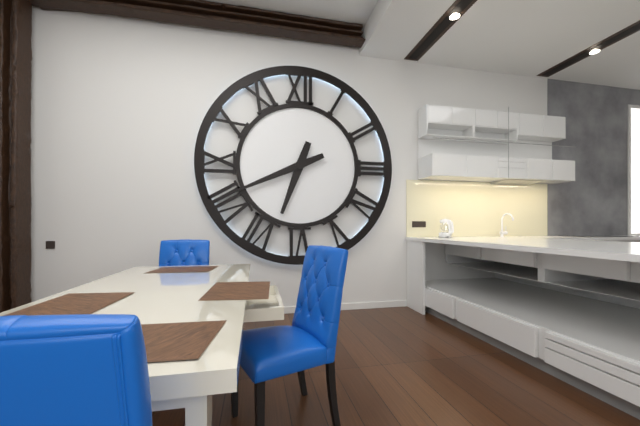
6:41
